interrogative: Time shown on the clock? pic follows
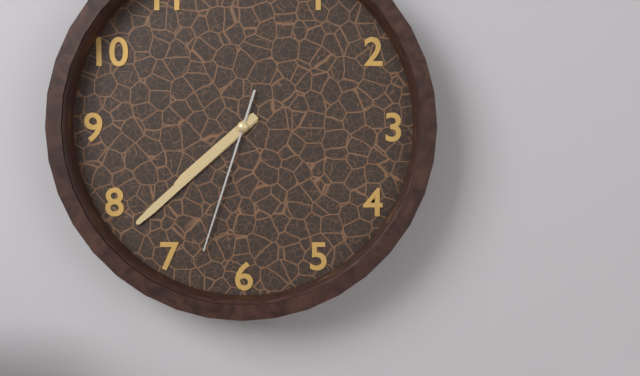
7:38:33
